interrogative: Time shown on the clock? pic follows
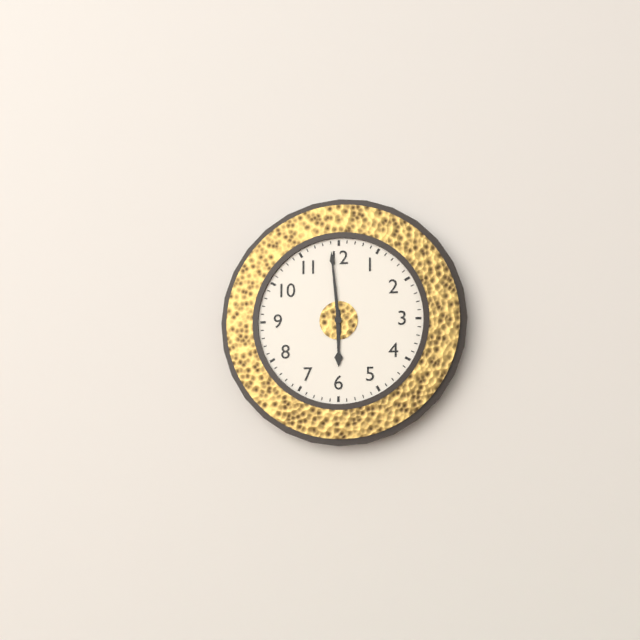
5:59
